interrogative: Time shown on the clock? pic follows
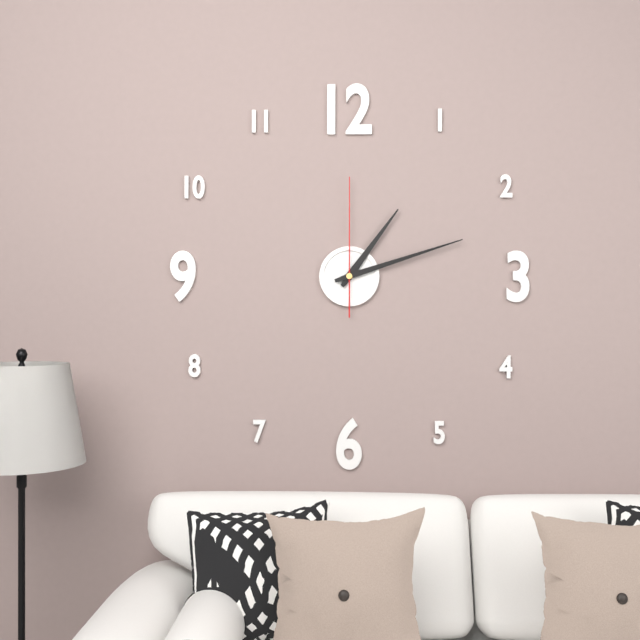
1:12:00
